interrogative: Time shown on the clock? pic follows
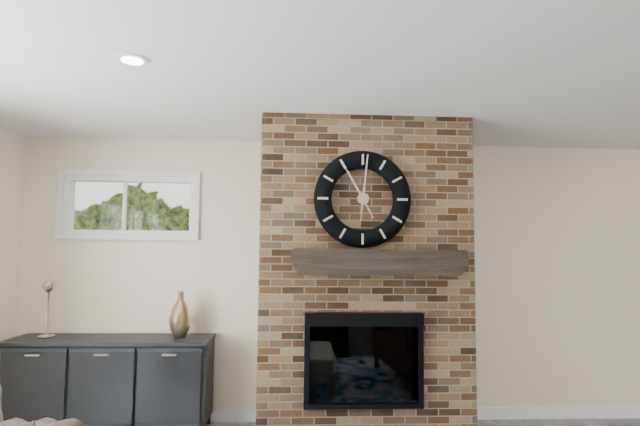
11:01
